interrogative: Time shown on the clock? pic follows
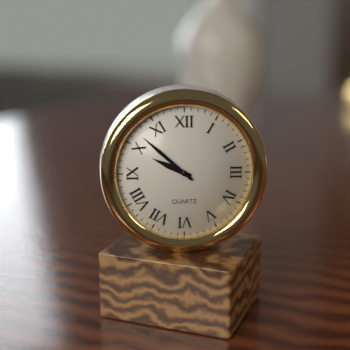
9:52
